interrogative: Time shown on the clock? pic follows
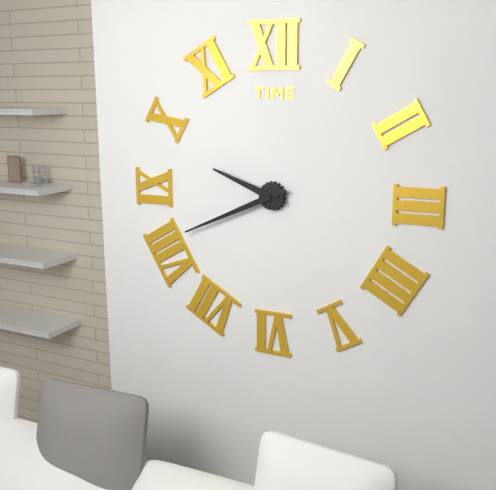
9:41
